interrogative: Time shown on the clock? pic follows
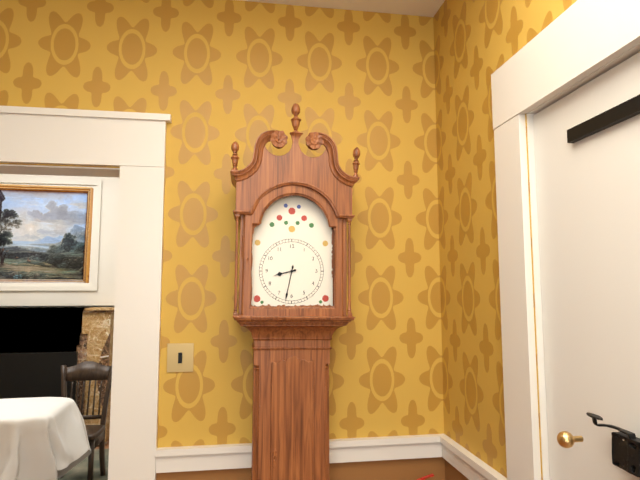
8:32
